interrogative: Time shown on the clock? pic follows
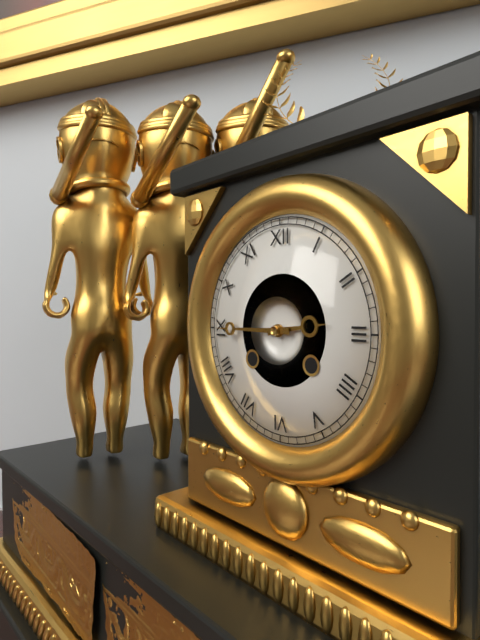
2:45
